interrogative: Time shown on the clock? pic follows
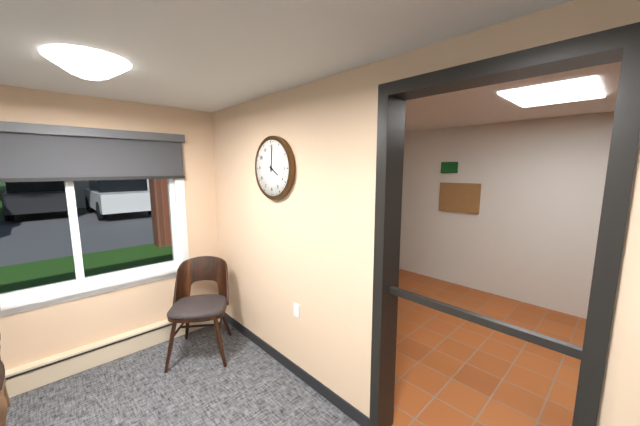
4:01
